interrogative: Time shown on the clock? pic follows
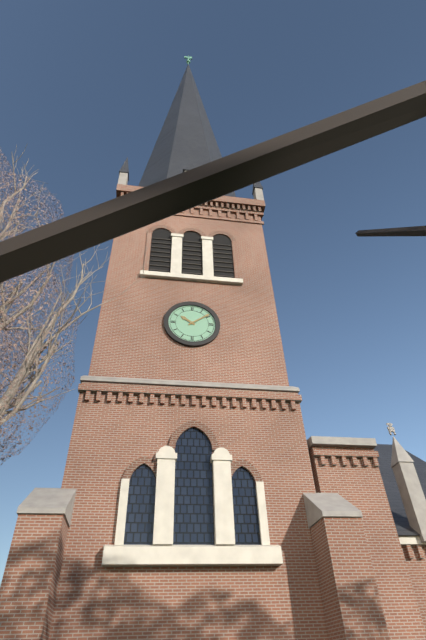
10:09
